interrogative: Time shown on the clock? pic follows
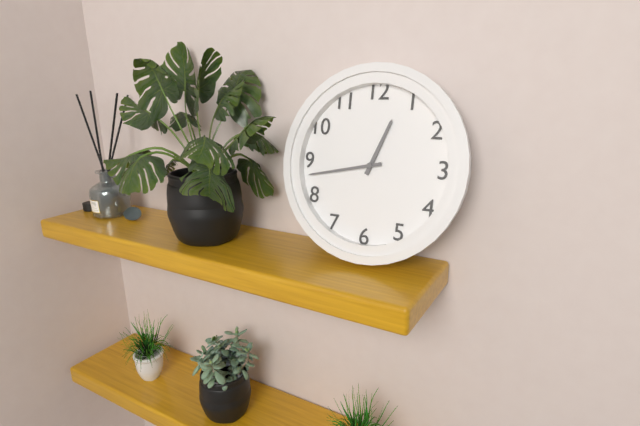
12:43
